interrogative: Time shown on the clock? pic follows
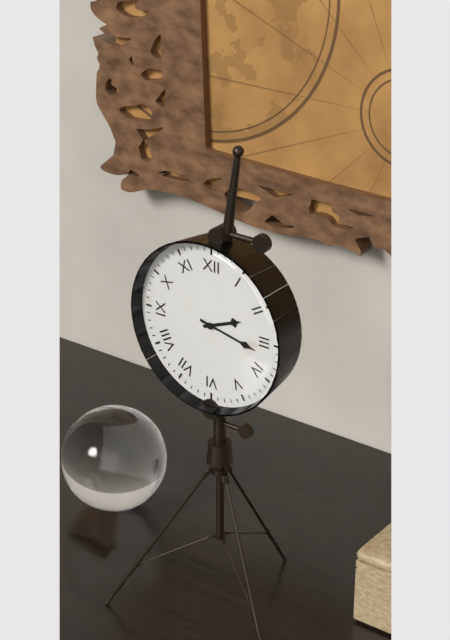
2:17
